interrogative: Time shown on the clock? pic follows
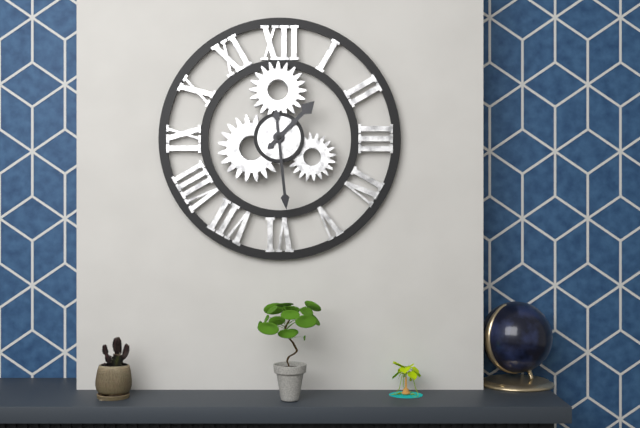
1:29
